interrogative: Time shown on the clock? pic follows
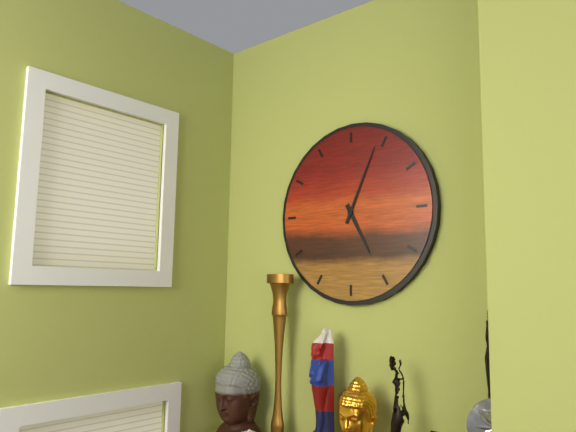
5:04
